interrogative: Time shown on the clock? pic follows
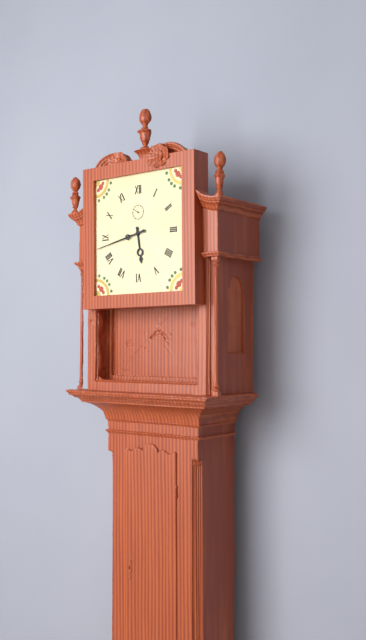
5:43
